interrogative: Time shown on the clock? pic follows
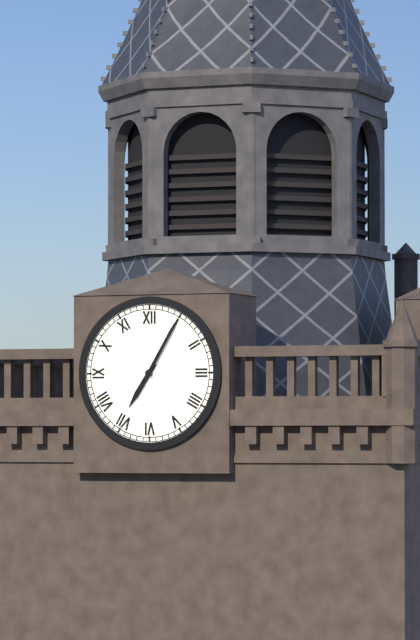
7:05
